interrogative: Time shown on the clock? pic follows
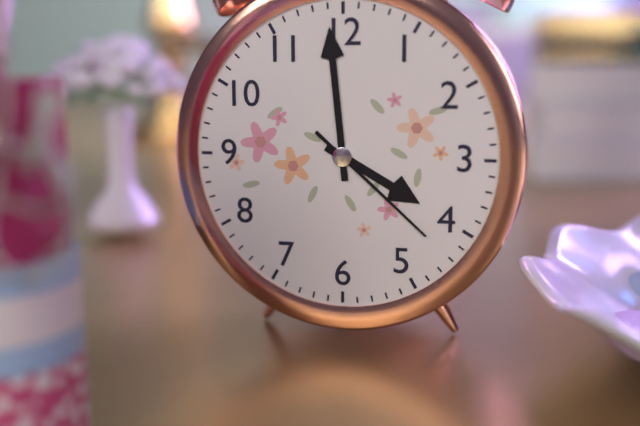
3:59:22
